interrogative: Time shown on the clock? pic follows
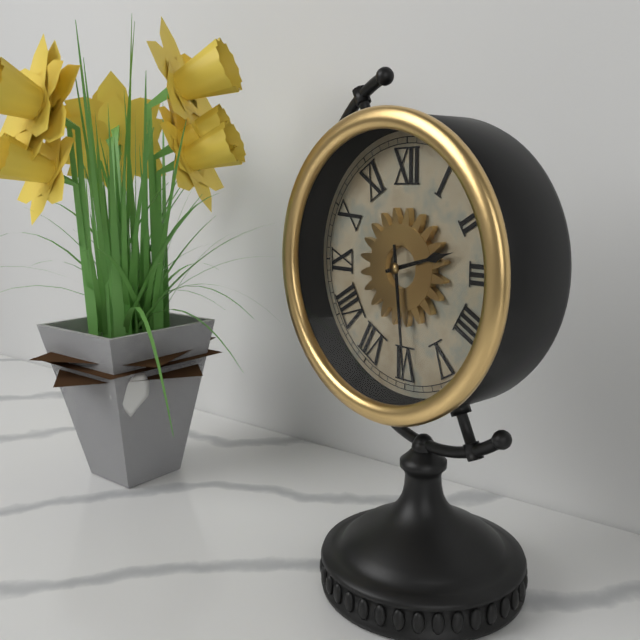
2:29
